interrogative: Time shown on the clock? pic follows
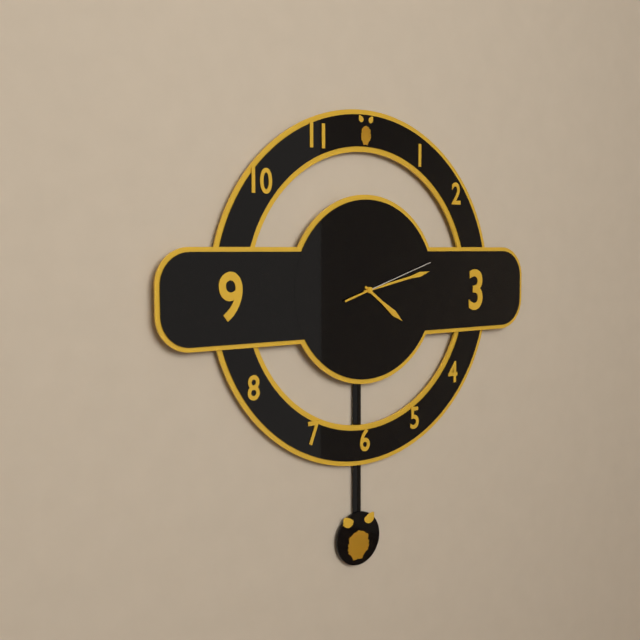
4:13:12
